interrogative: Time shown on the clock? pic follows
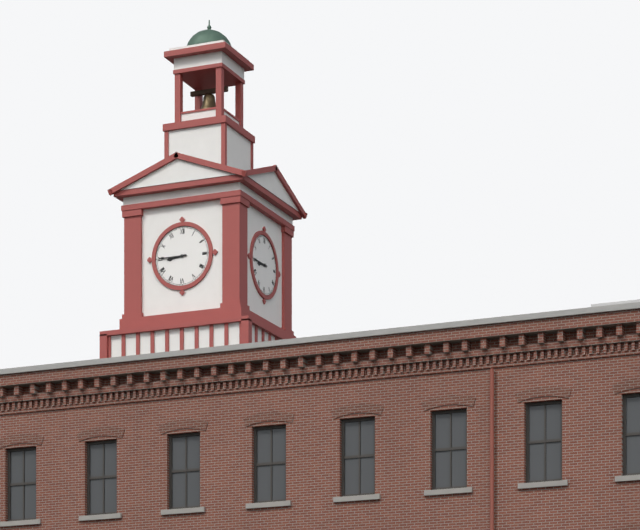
8:45
